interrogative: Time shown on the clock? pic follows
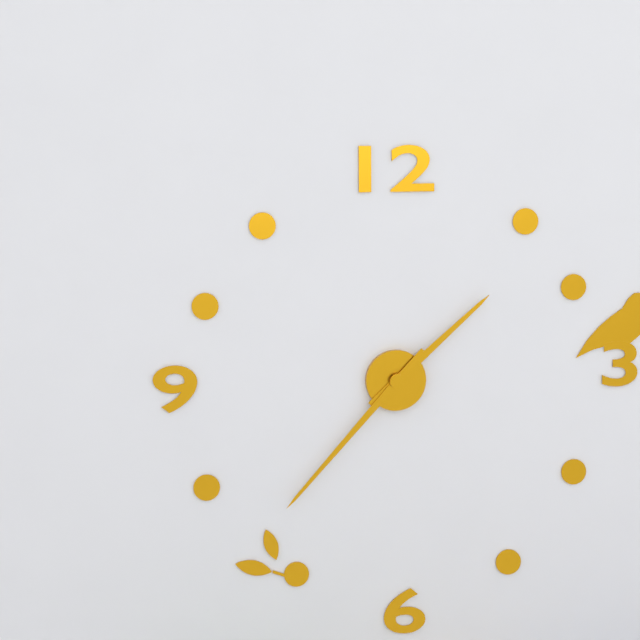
1:37
